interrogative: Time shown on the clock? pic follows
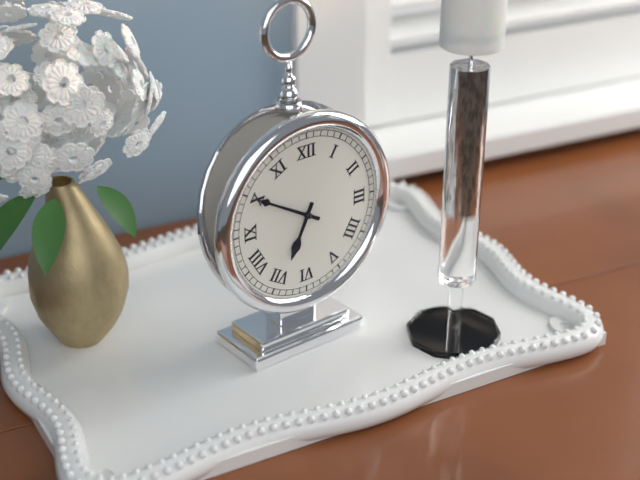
6:50
